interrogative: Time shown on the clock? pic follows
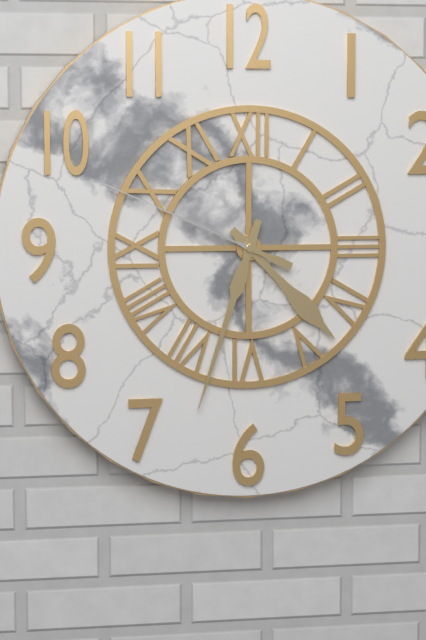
4:33:49
